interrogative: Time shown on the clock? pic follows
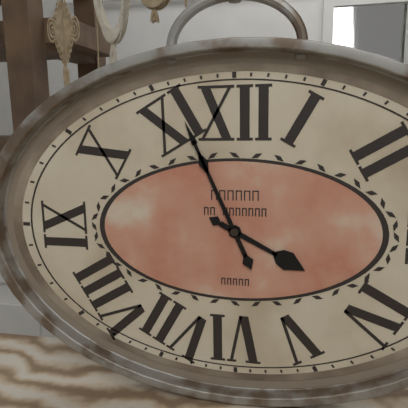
3:56
